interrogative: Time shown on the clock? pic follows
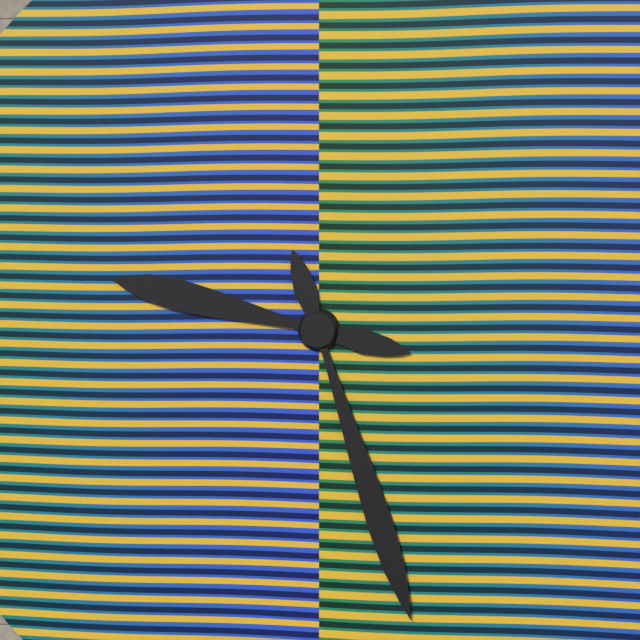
9:27
